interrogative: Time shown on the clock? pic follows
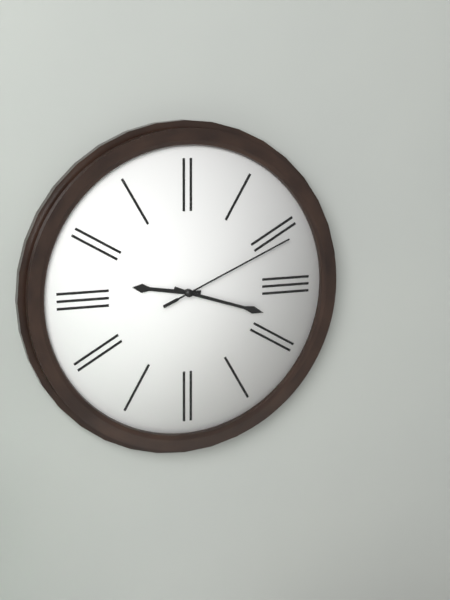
9:18:11
